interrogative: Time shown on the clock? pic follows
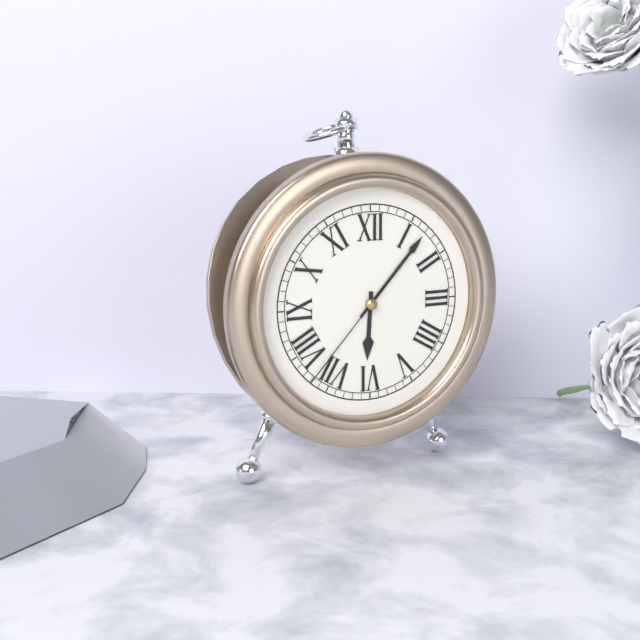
6:07:37
